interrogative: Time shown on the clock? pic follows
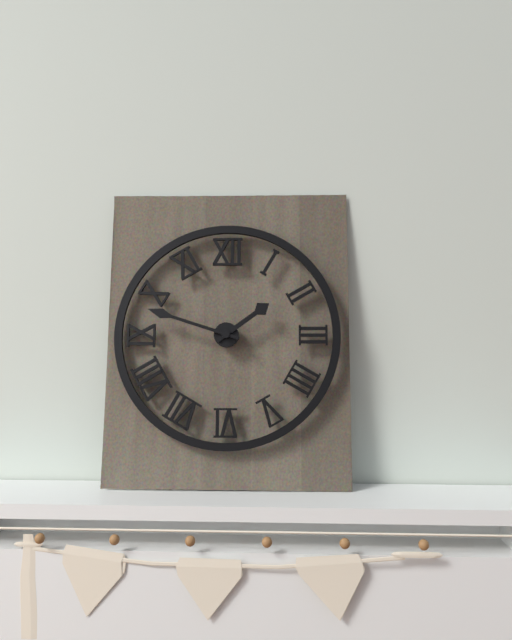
1:48
